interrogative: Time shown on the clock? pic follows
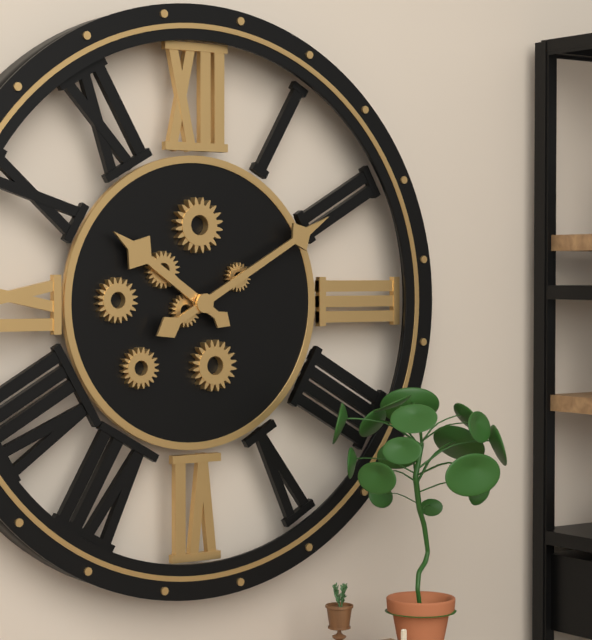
10:10
